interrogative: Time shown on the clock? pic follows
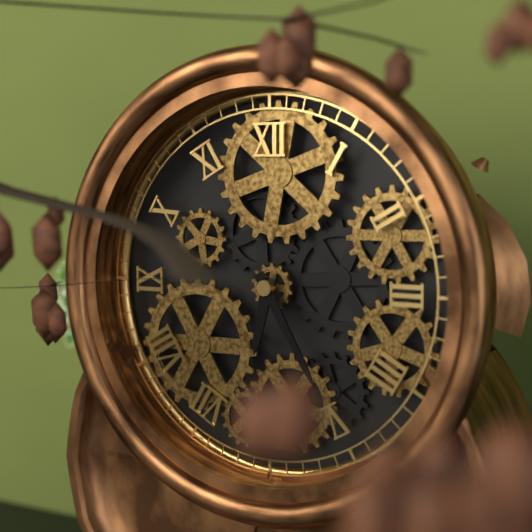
6:25
